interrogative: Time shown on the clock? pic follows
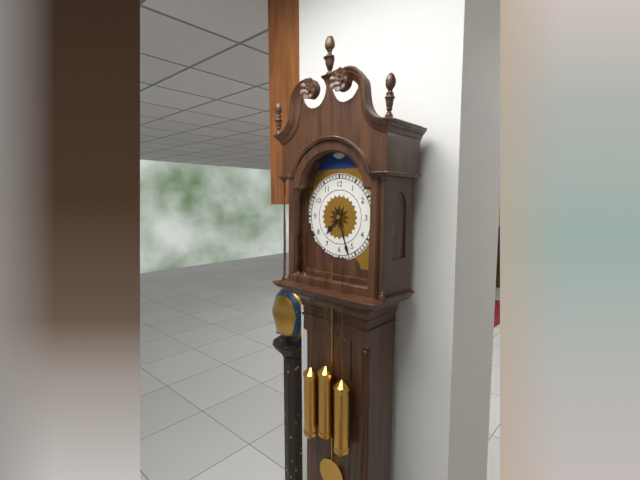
7:27
